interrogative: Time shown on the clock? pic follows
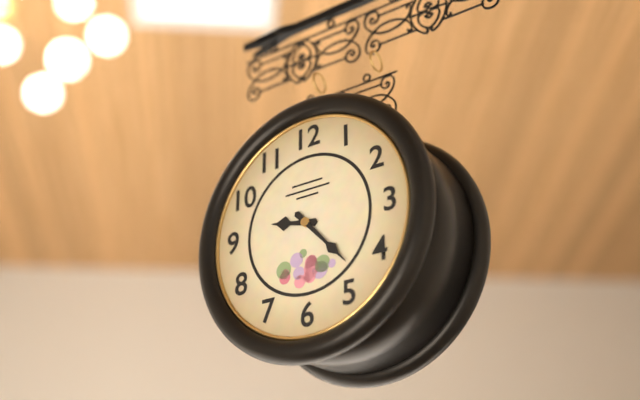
9:23
